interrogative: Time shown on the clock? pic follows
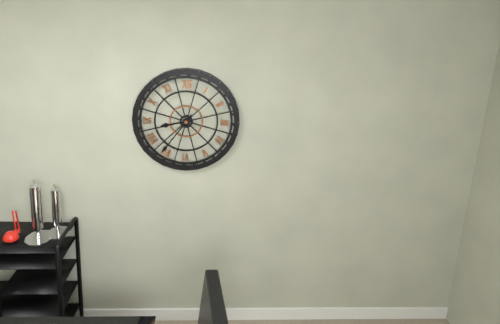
8:36
